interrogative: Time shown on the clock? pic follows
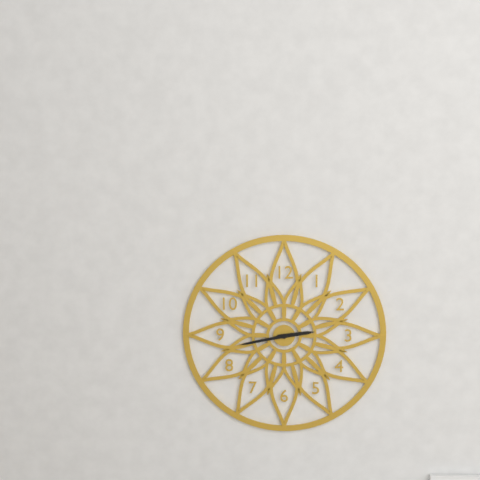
2:43
